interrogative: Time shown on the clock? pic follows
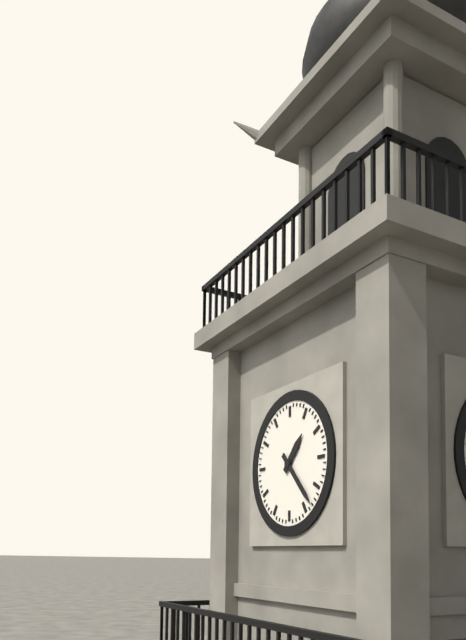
1:23
